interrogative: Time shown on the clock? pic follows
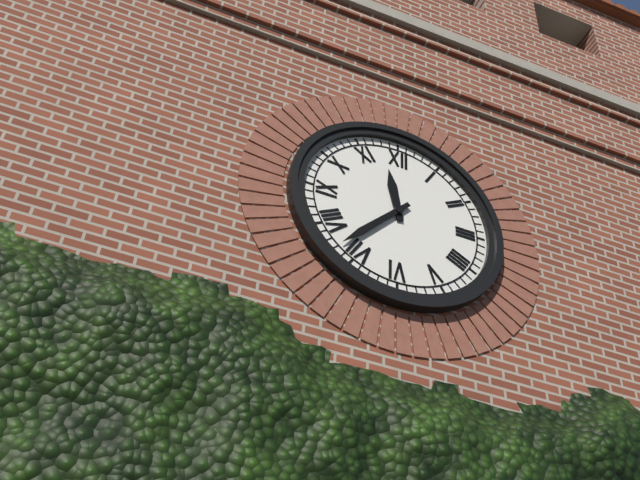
11:37
